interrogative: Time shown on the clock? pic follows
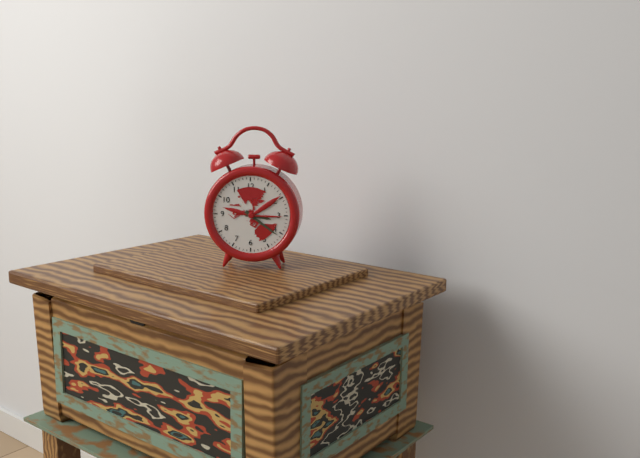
3:21
